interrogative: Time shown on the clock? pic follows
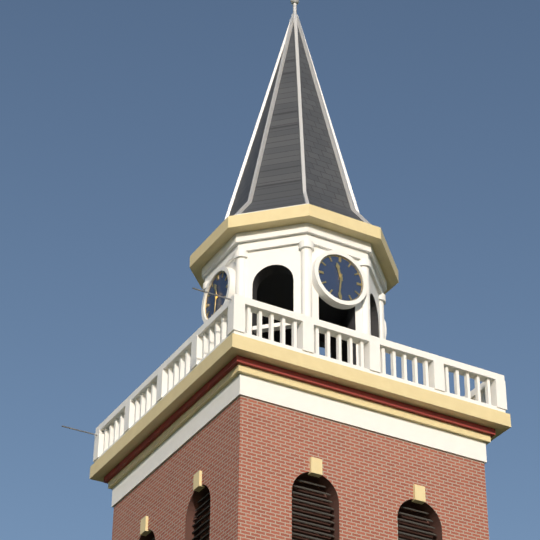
11:31
